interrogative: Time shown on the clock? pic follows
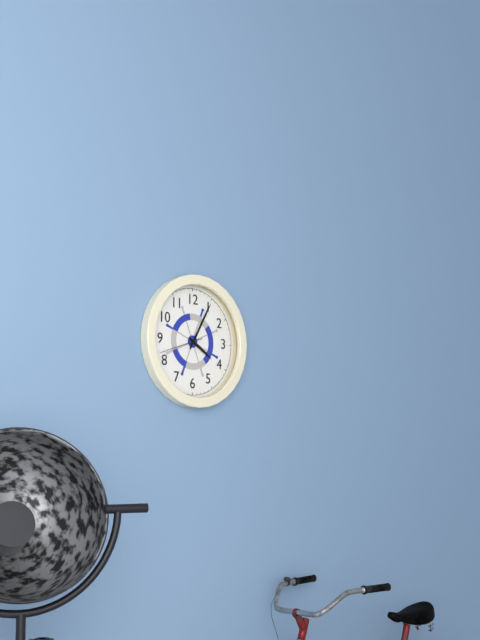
4:05
